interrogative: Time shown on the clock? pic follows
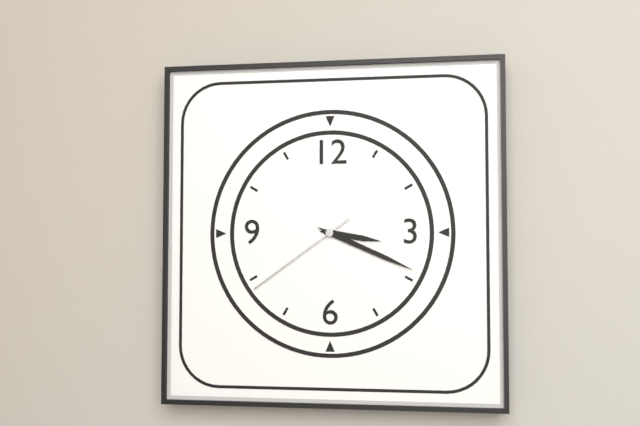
3:19:39
